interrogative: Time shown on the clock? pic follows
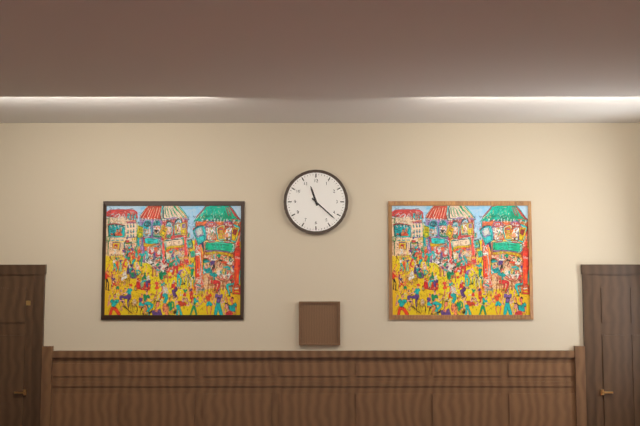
11:22
